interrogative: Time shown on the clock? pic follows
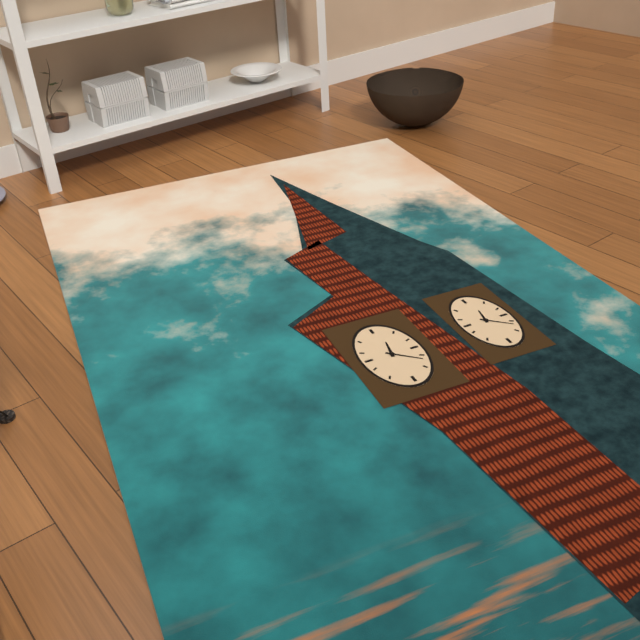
12:22
